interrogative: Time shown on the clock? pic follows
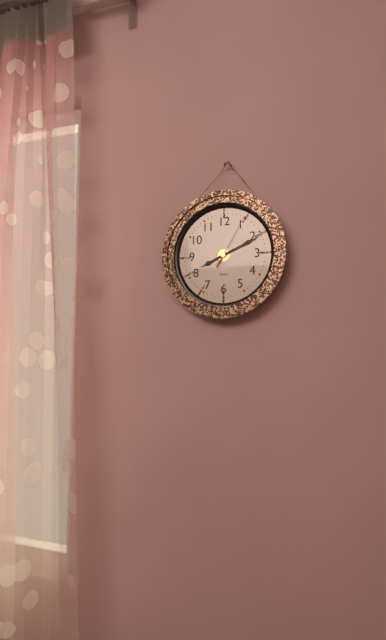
8:11:05
